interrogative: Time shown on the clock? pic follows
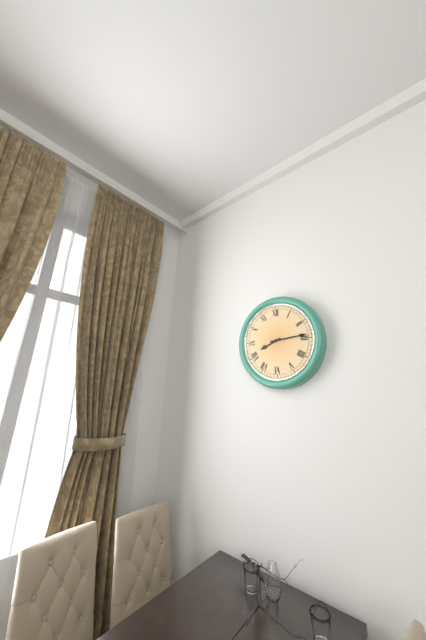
8:14
